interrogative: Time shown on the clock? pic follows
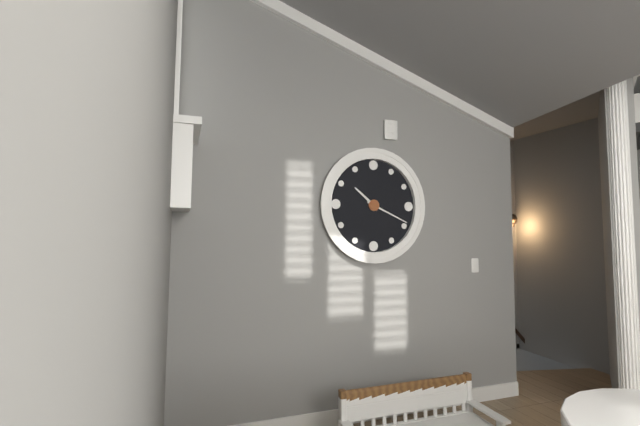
10:19
